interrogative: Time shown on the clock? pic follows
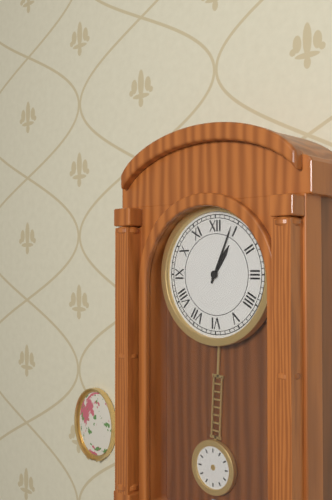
1:04
